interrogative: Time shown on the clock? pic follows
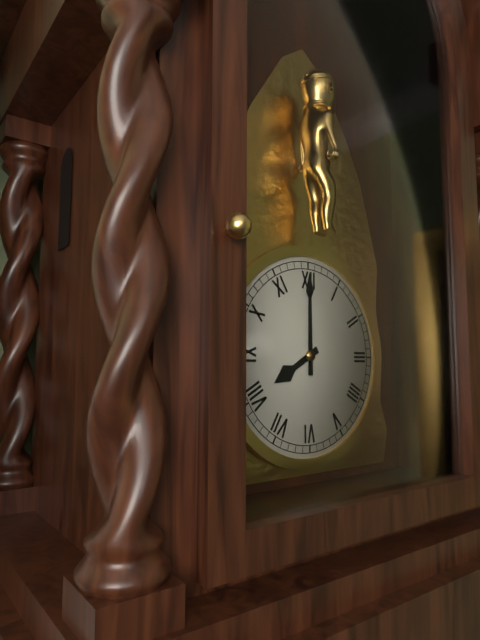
8:00
